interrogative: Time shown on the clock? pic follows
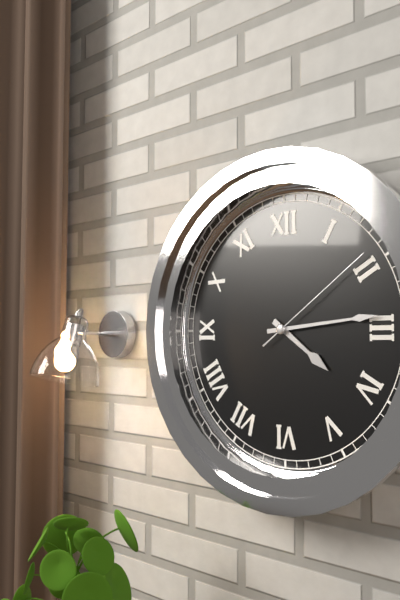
4:14:09
